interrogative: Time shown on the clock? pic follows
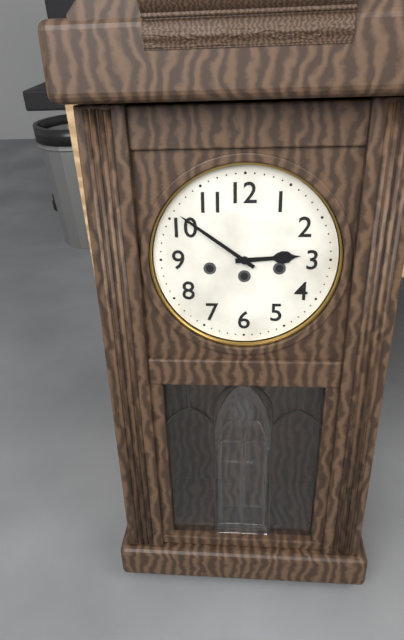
2:51
